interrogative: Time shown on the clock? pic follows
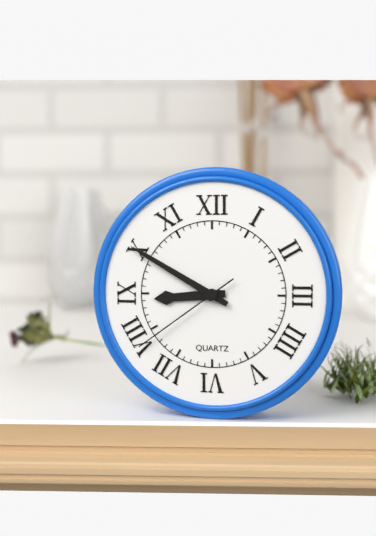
8:50:39
